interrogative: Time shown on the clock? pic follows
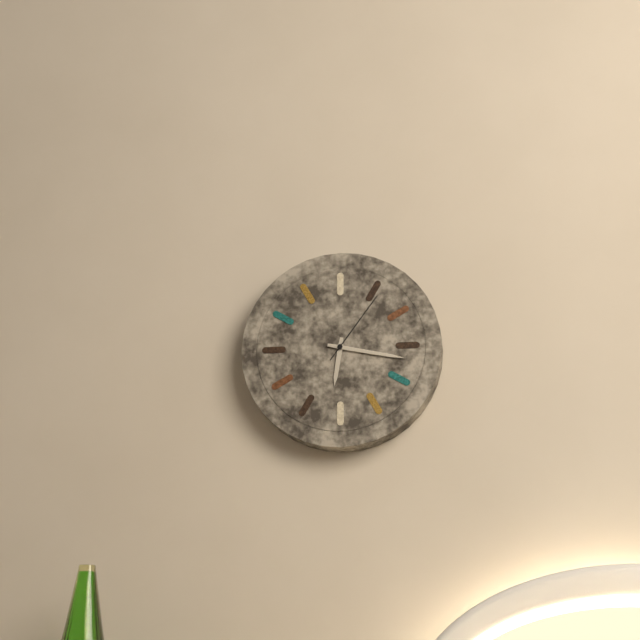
6:17:06
